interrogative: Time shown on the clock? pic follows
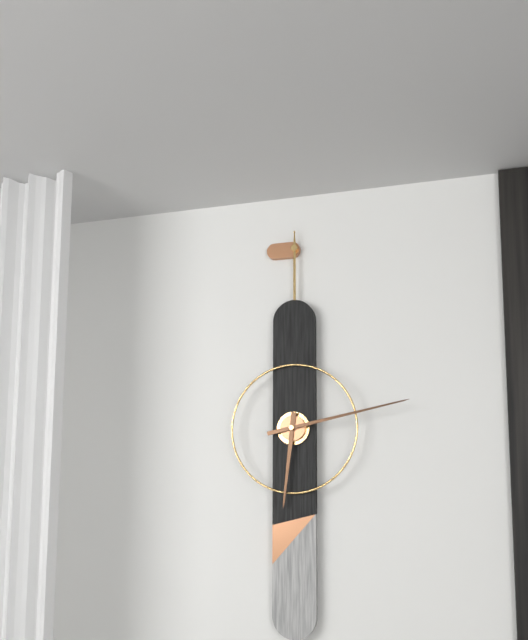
6:13
